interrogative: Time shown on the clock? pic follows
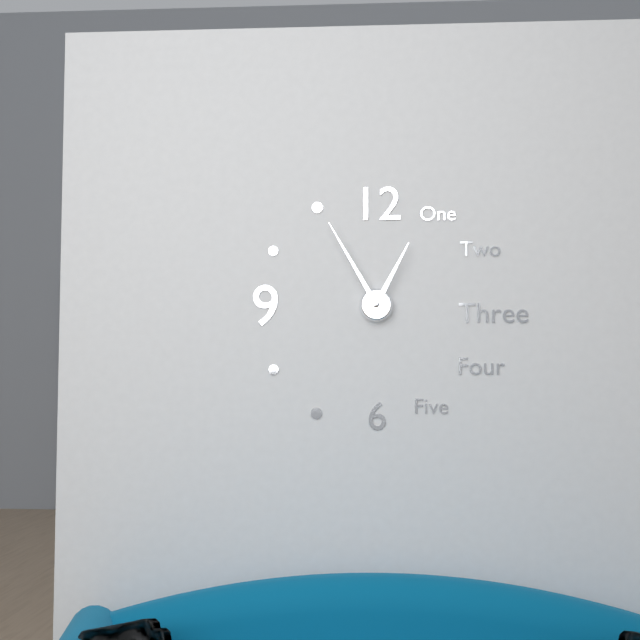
12:55
